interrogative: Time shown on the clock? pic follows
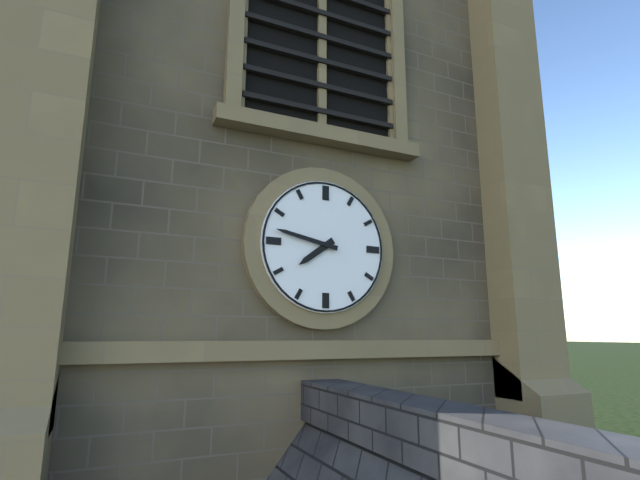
7:47
